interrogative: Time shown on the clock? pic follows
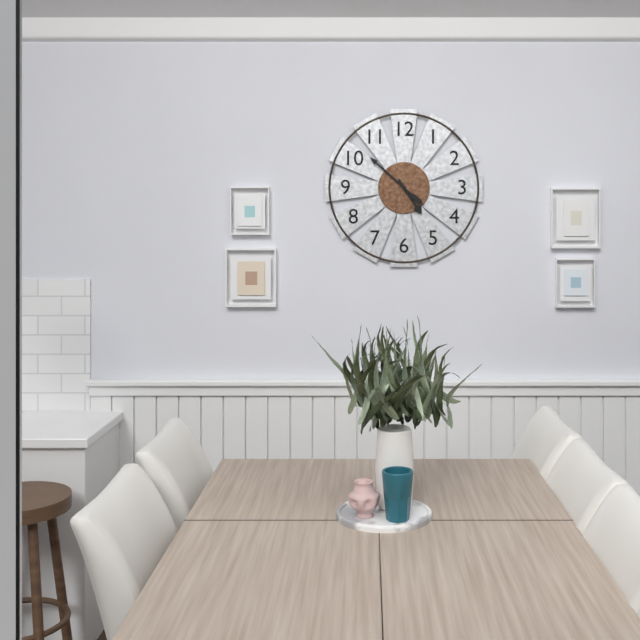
4:52
